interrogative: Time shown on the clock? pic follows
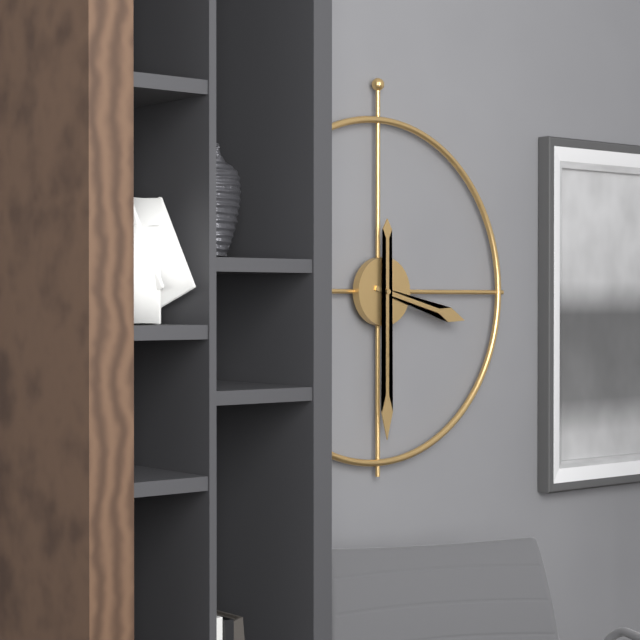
3:30
